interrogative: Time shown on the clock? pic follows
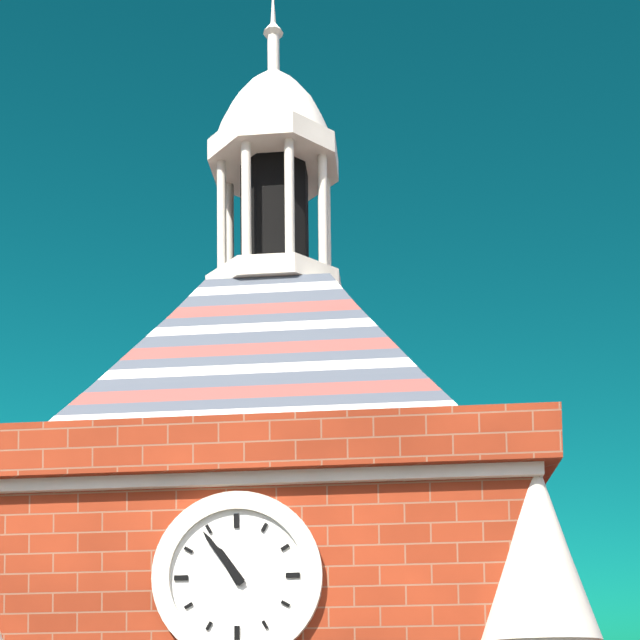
10:54
